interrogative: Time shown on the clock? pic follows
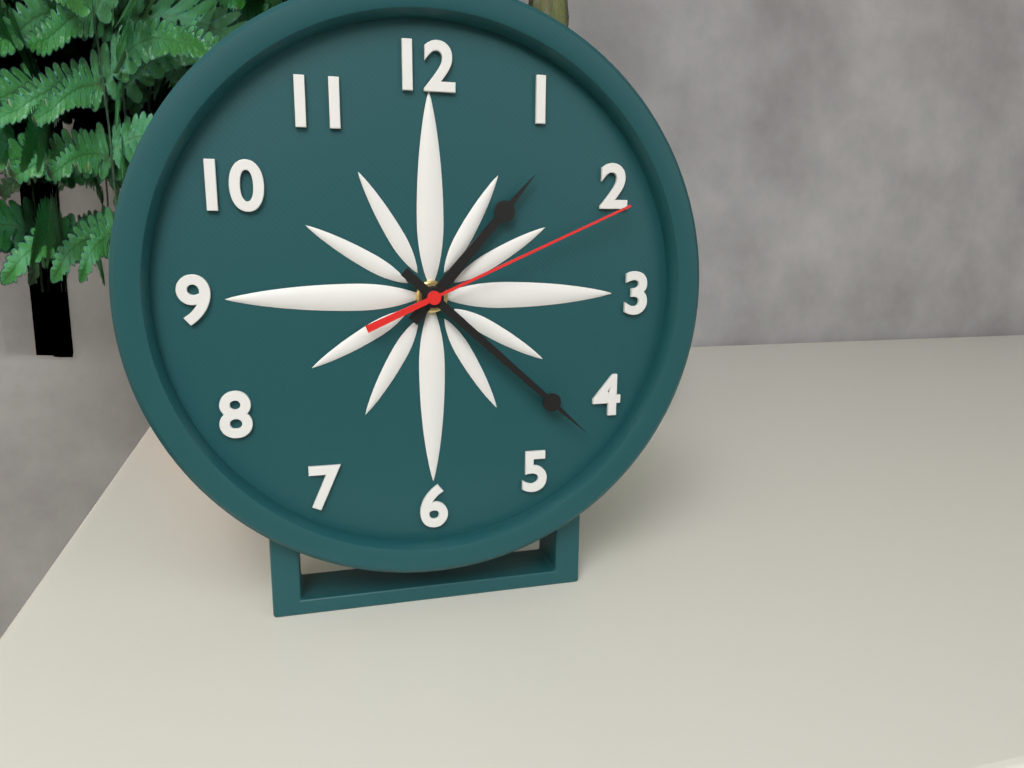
1:22:11
